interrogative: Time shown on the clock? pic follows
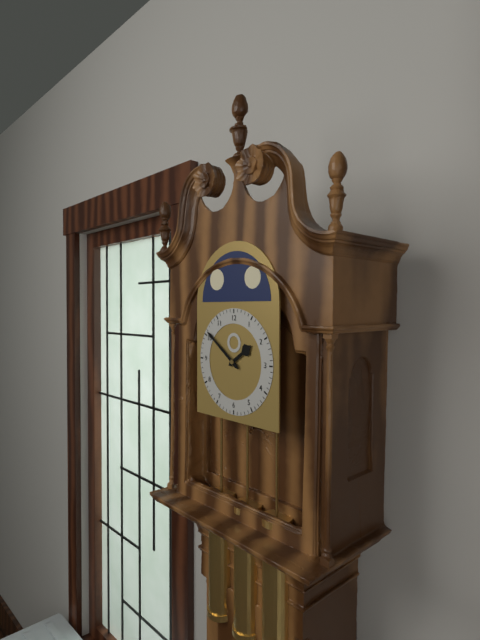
1:51
